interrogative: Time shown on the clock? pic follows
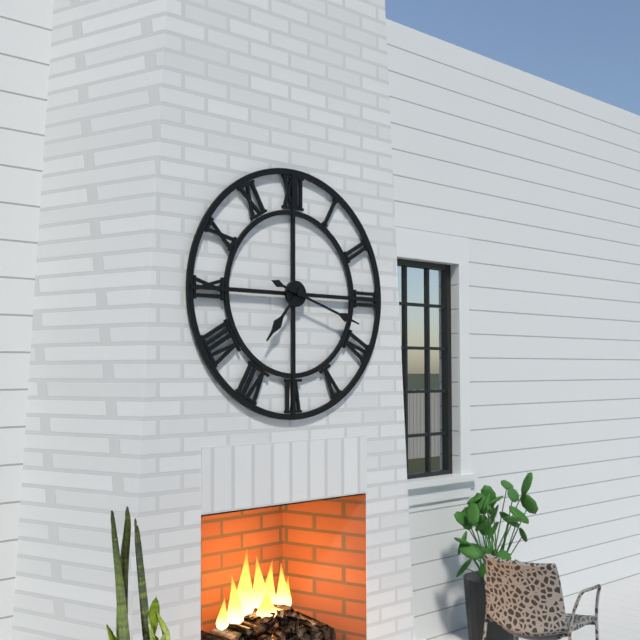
7:18
